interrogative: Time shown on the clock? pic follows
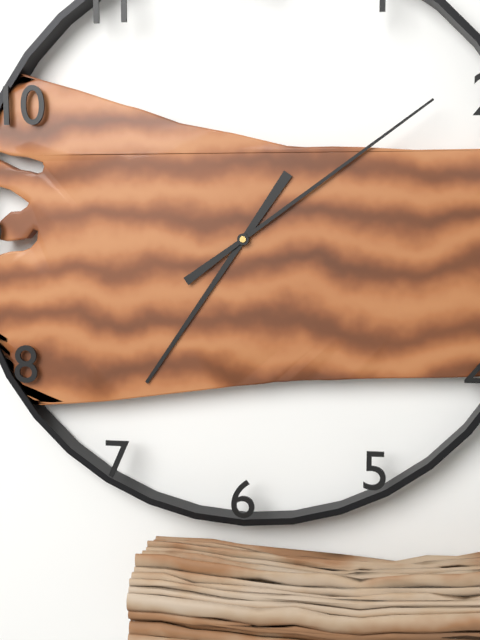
7:09
